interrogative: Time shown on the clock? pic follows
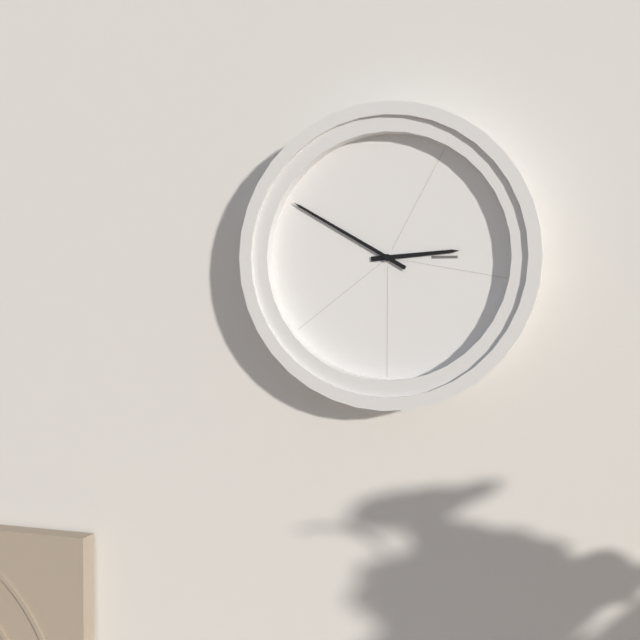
2:50
